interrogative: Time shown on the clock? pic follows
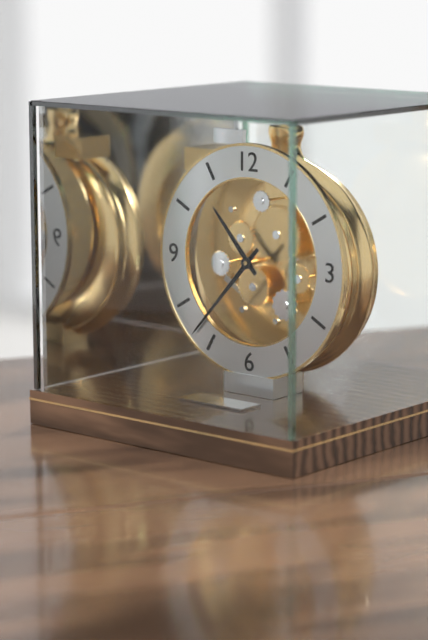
10:37
